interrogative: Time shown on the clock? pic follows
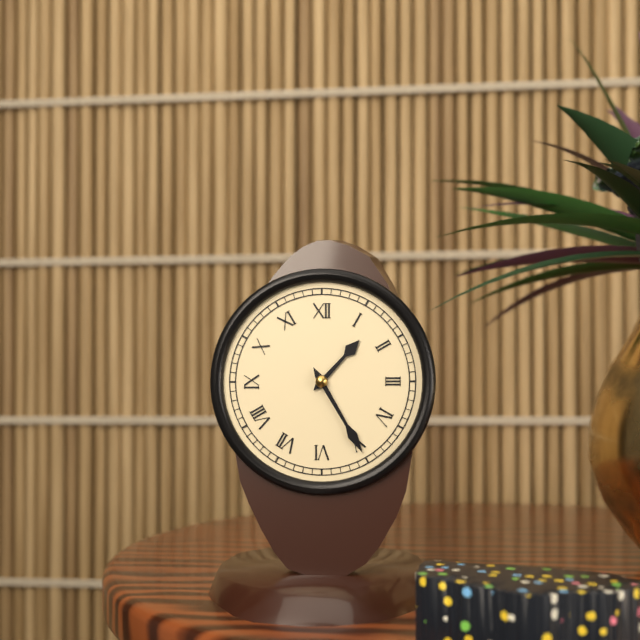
1:25
